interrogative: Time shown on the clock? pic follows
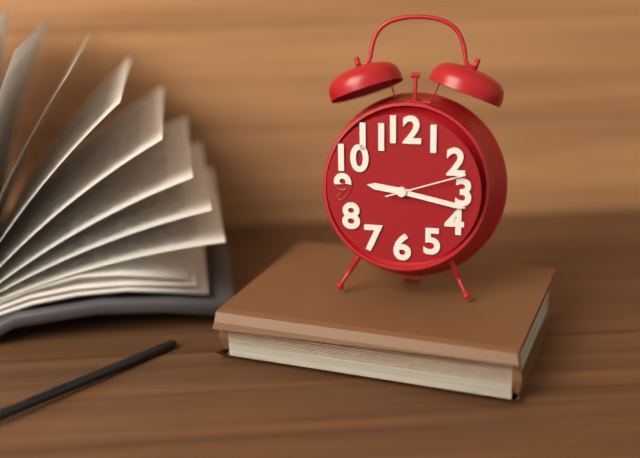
9:17:12
